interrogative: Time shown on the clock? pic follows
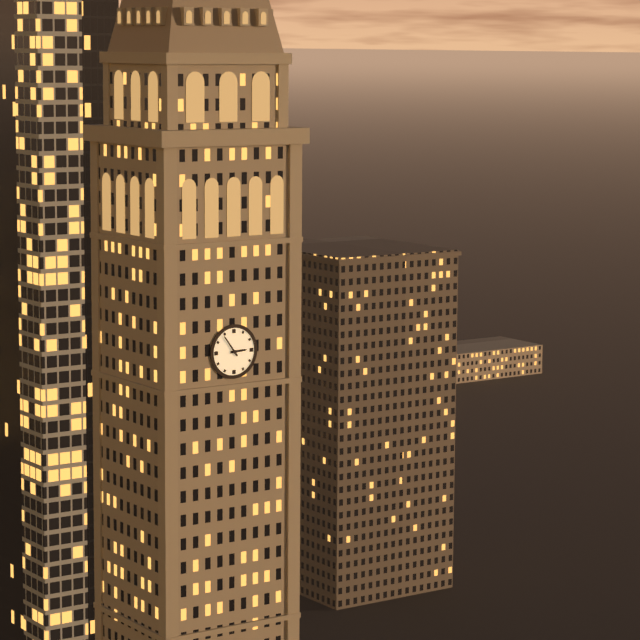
2:54
